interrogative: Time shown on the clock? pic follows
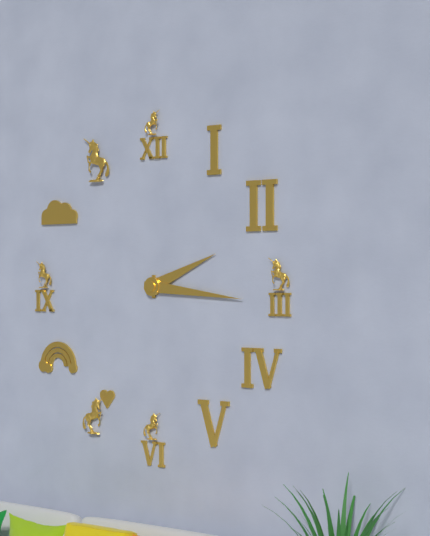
2:16
